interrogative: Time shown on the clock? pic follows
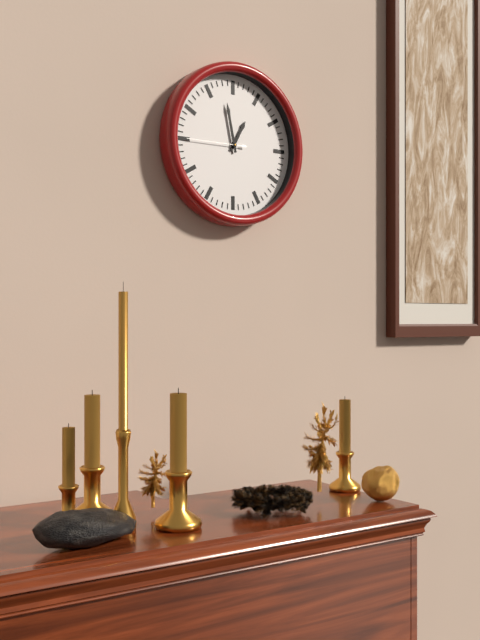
12:58:45
